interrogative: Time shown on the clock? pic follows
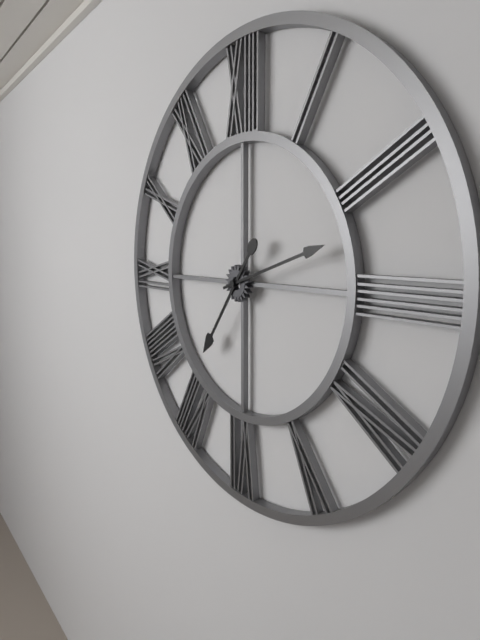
7:12
